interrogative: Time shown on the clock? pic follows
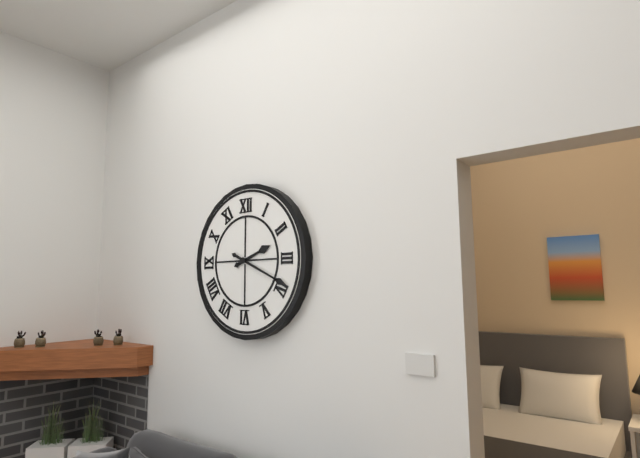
2:19
